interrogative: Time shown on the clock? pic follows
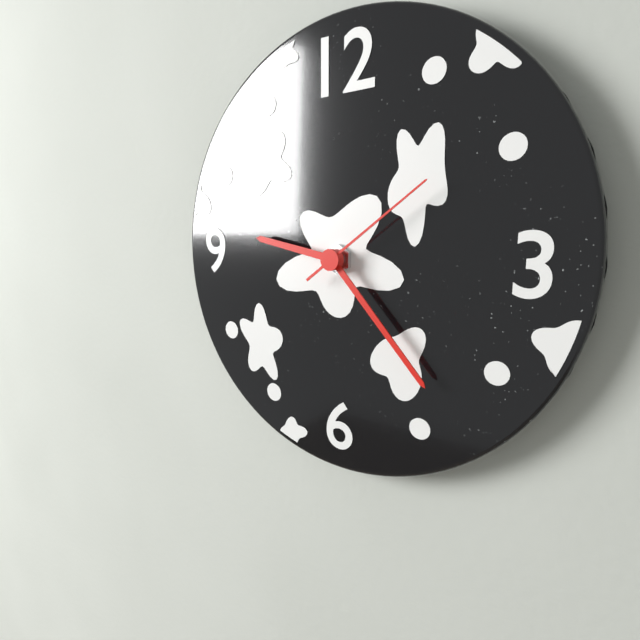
9:23:09
